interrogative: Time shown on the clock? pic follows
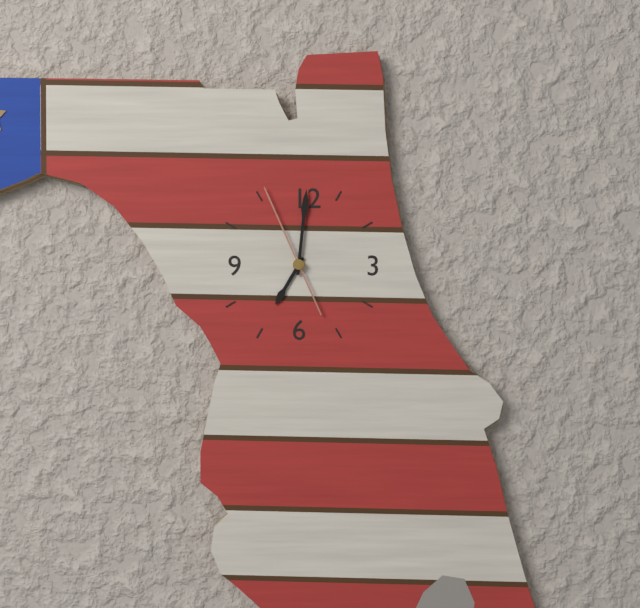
7:01:56
